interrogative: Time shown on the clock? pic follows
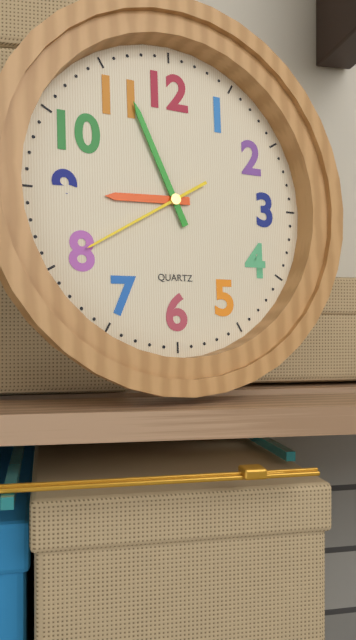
8:56:40
